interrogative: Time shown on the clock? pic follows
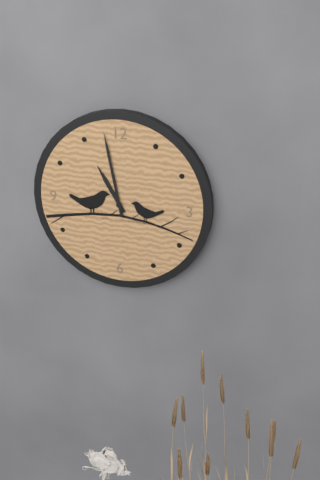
10:58
